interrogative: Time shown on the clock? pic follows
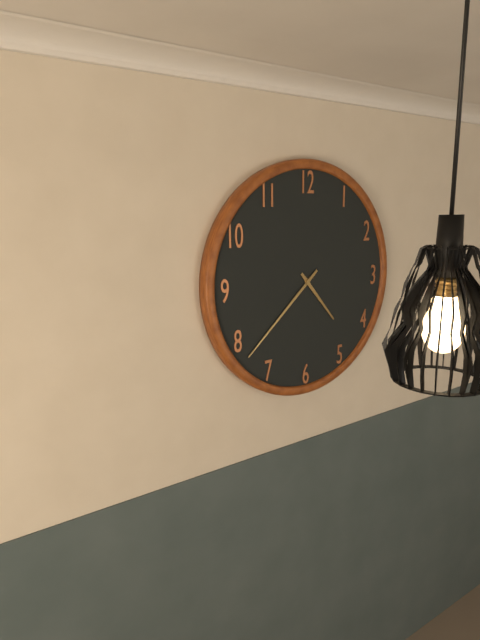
4:38
